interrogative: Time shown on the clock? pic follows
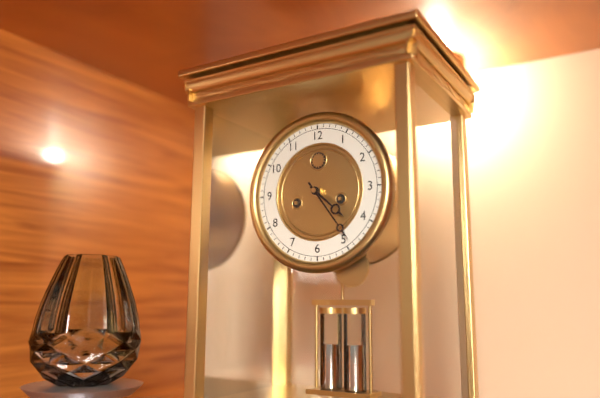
4:24
